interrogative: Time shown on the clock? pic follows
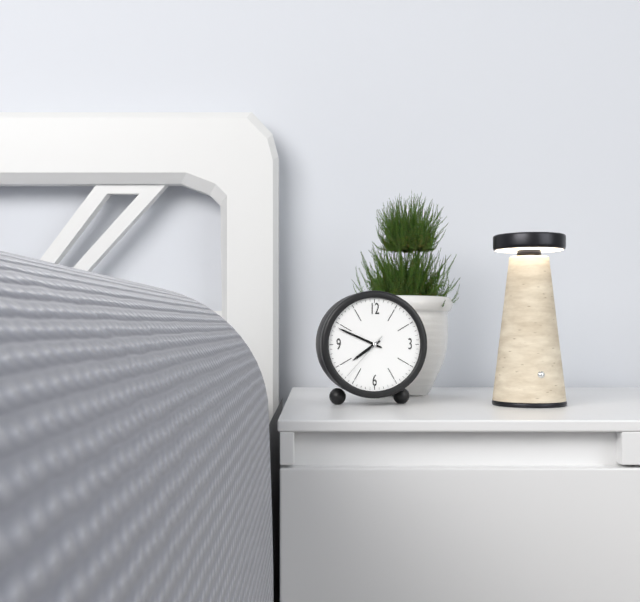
7:49:37
